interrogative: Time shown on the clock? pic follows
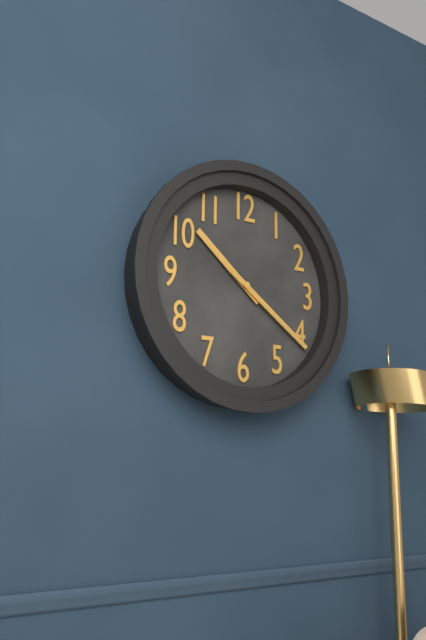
10:21
